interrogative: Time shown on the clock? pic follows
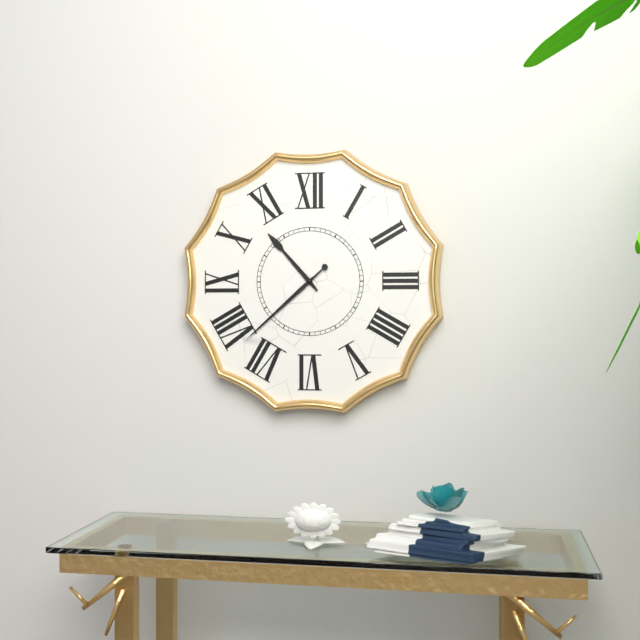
10:38
